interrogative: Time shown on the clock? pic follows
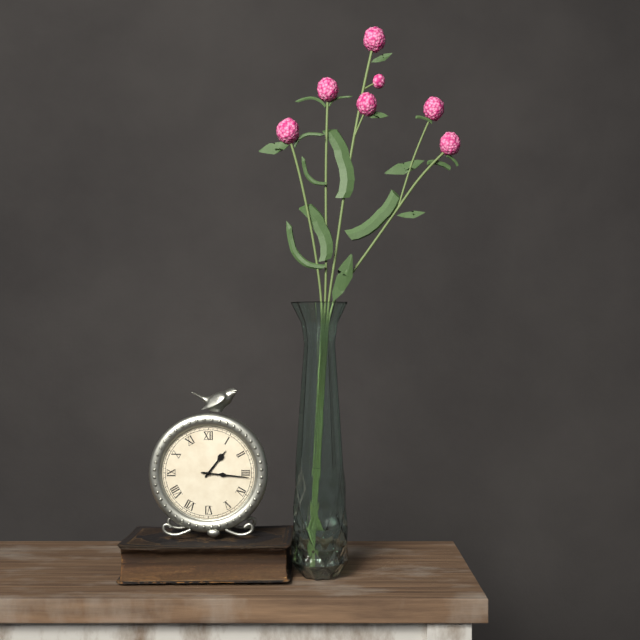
1:16
